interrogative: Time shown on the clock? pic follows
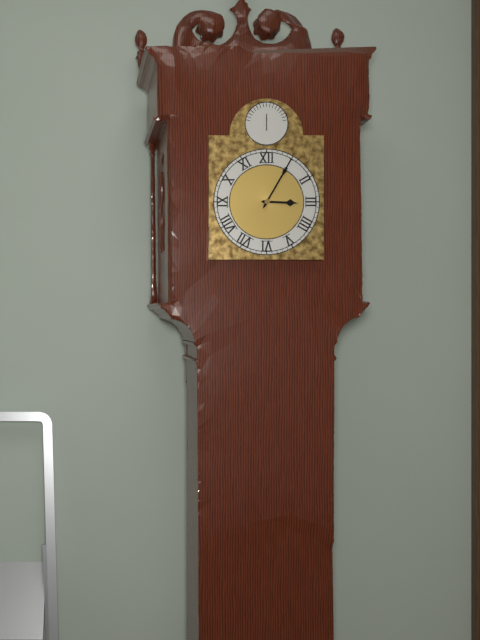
3:05
